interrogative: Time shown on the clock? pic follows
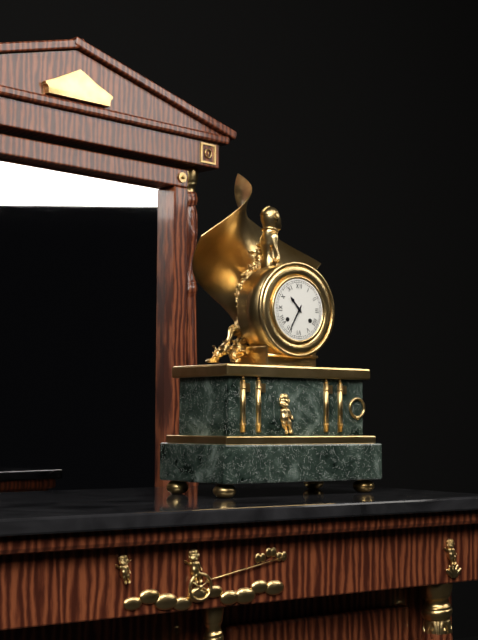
10:35
